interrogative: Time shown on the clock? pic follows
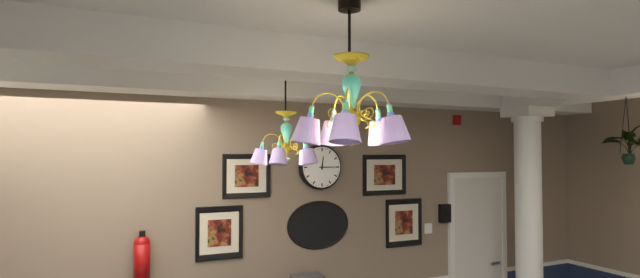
12:15
